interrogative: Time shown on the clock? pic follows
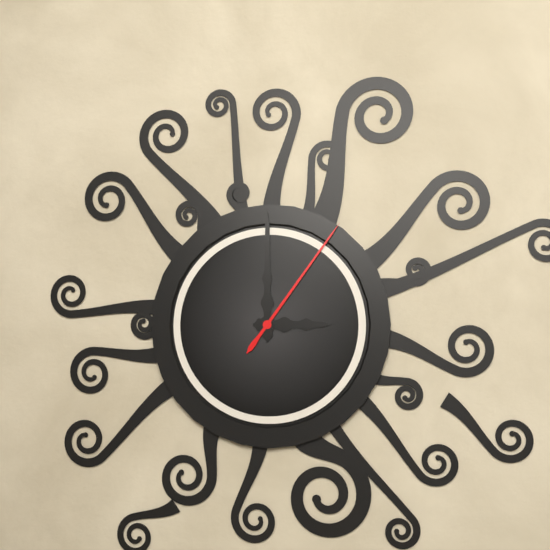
3:00:06
